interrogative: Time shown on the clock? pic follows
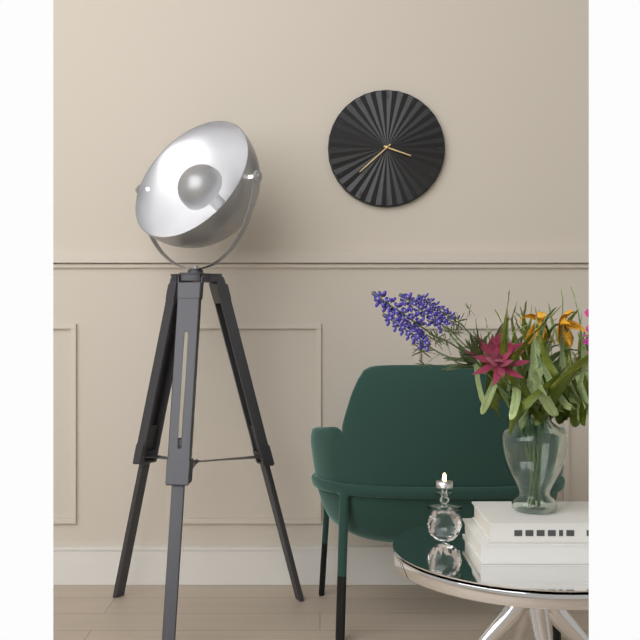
3:38
